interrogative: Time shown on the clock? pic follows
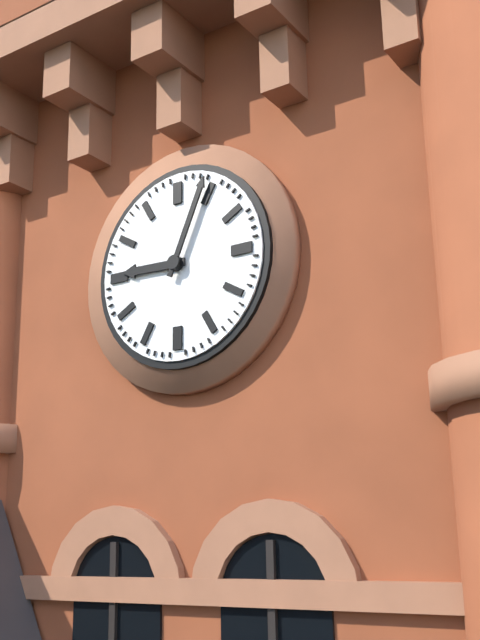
9:04
